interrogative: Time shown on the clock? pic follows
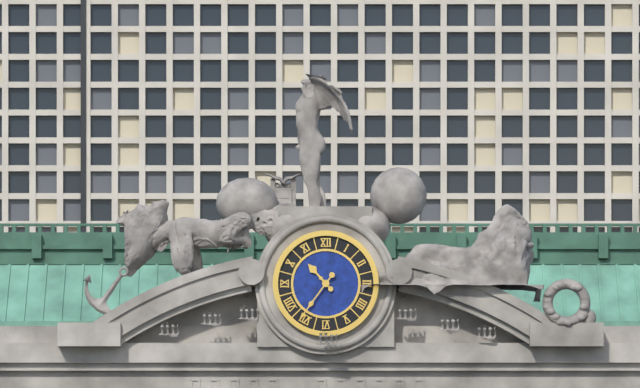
10:36
